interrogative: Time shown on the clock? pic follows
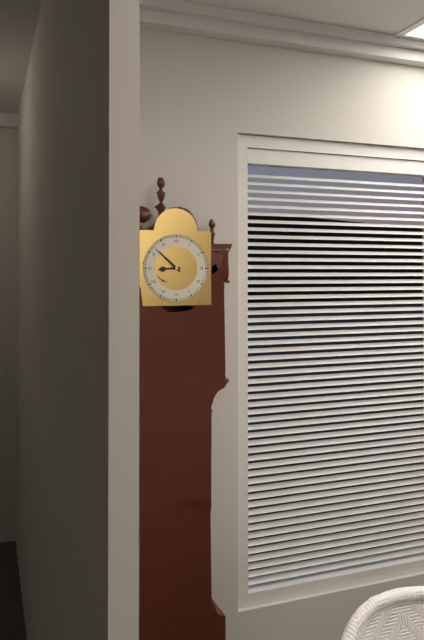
8:52
